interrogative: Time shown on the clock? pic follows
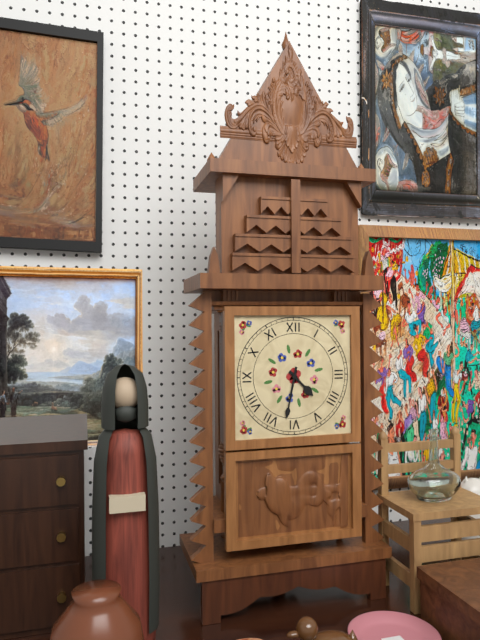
4:32
